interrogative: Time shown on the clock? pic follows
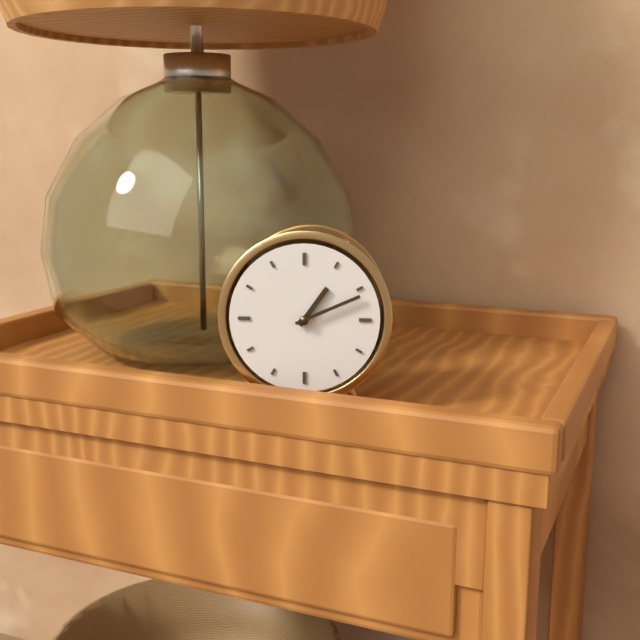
1:11
